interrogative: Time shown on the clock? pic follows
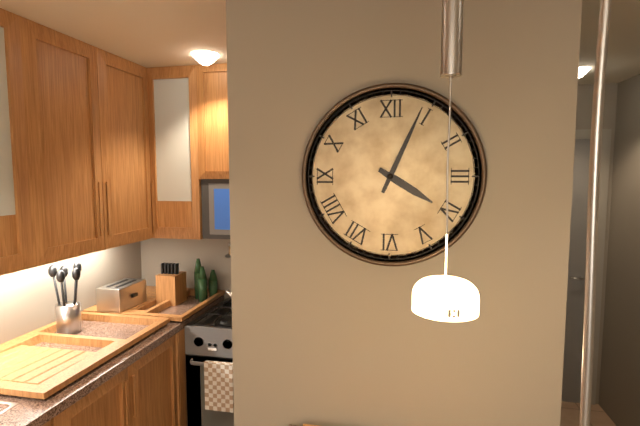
4:04
